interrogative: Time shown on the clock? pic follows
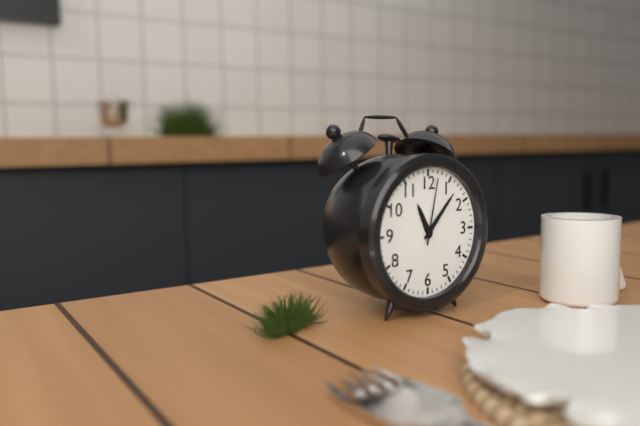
11:07:02
